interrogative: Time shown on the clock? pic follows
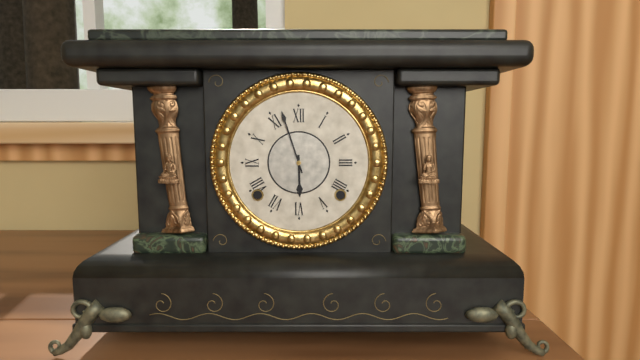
5:57
